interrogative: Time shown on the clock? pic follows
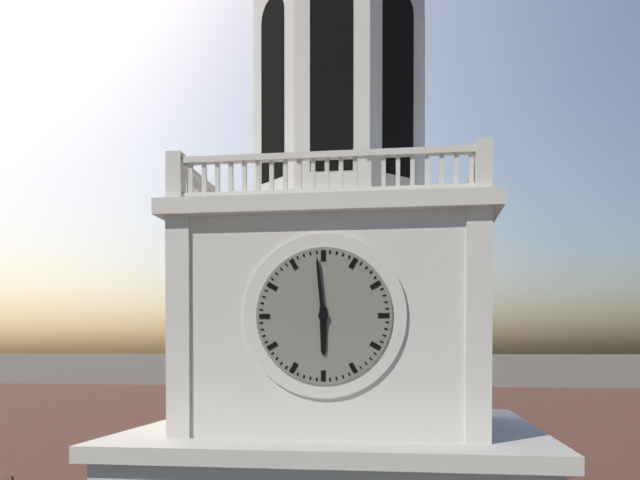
5:59
